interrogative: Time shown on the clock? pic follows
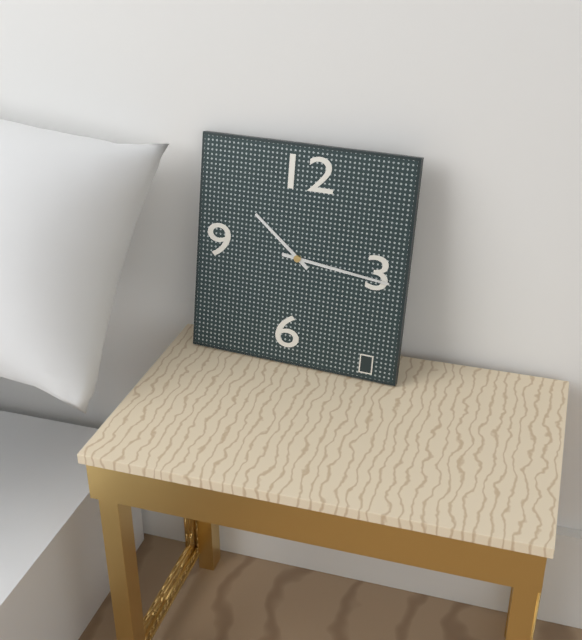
10:16
